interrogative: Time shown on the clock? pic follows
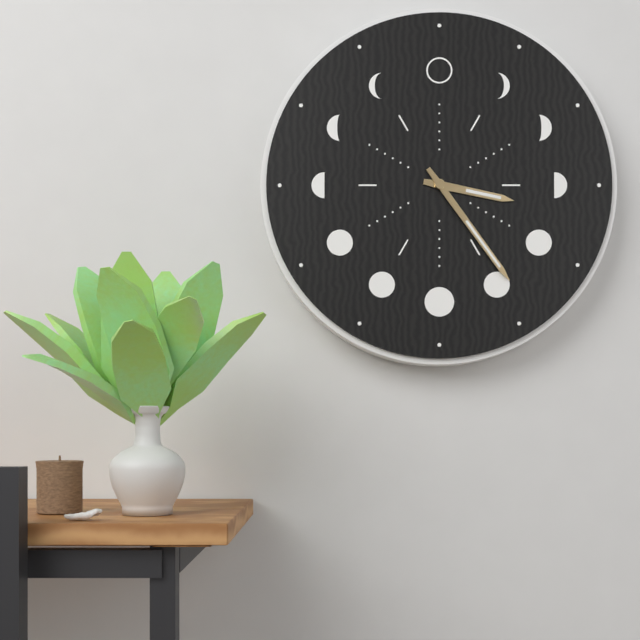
3:24
